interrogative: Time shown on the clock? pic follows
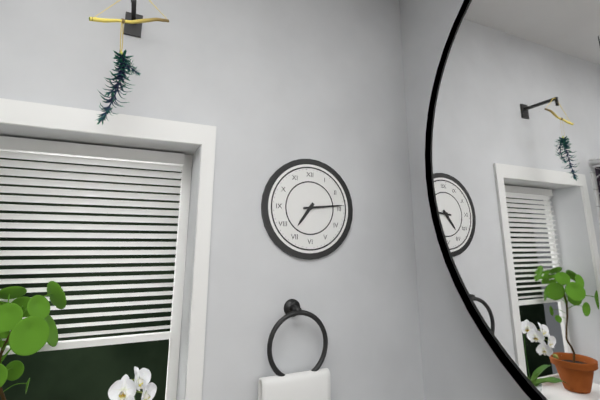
7:14
